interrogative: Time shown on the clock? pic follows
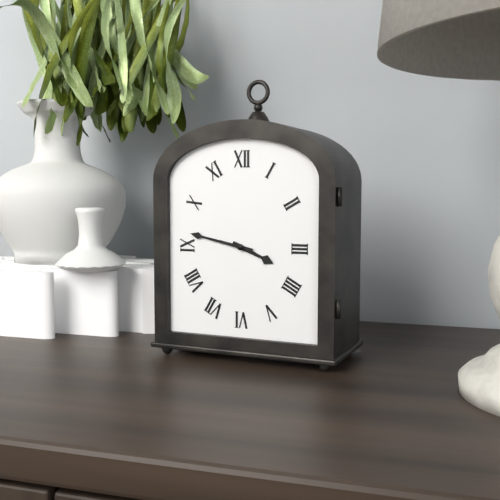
3:47
